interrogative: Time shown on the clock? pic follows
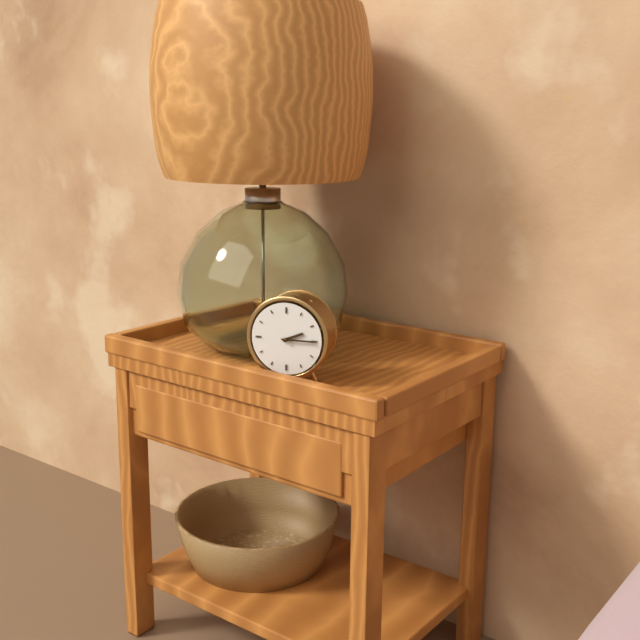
2:15
